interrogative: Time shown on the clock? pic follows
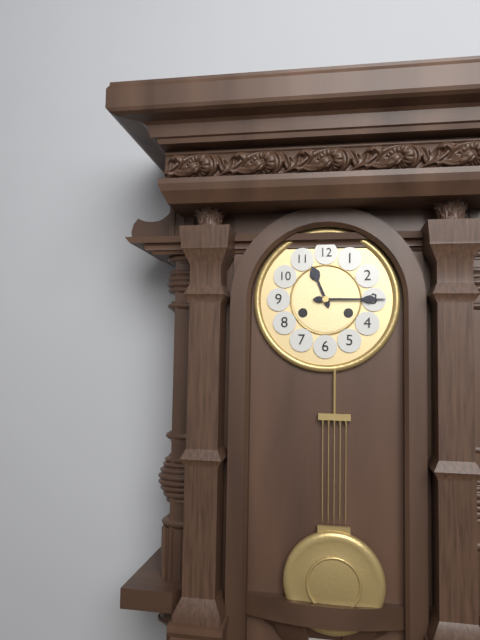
11:15
